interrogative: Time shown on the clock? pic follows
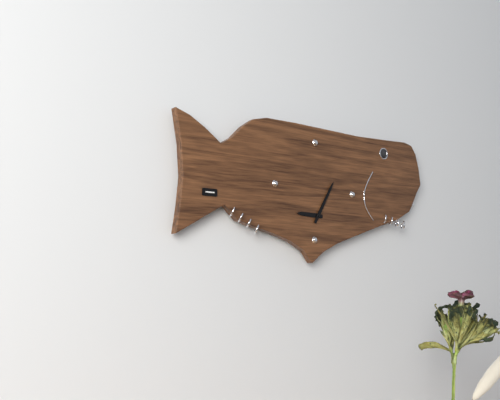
9:05
